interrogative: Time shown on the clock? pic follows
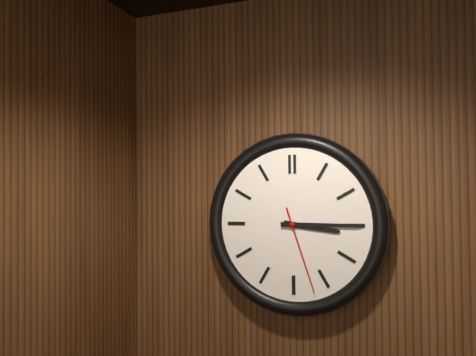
3:15:27
